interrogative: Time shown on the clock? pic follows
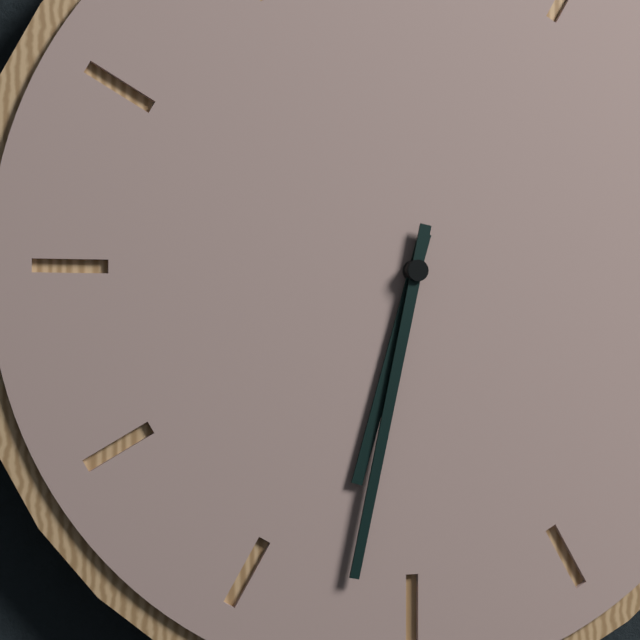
6:32
